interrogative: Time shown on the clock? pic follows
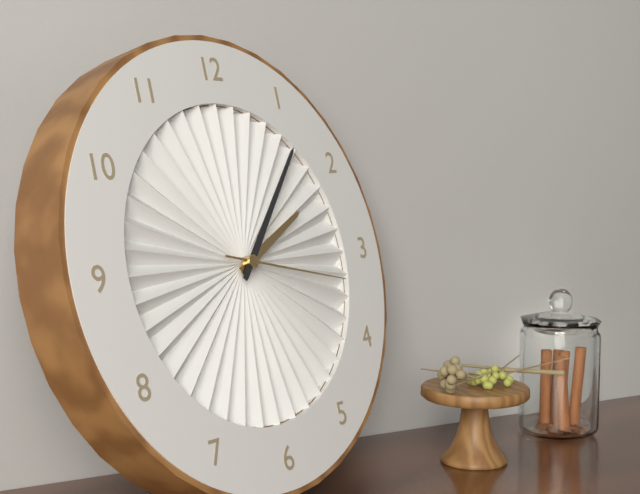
2:07:17
